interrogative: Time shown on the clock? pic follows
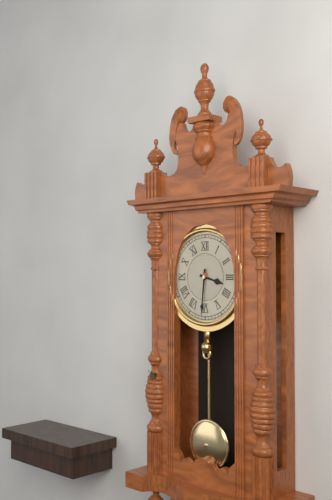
3:31
